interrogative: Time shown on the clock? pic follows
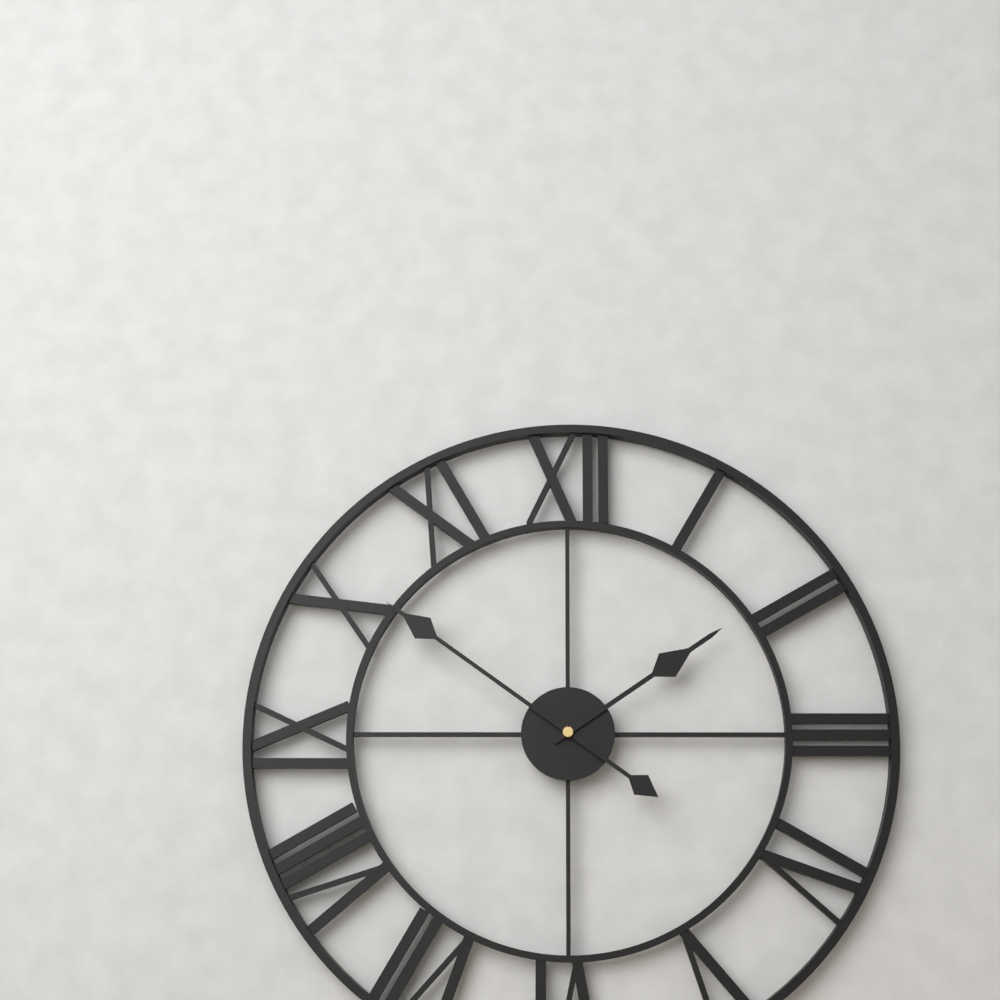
1:51
